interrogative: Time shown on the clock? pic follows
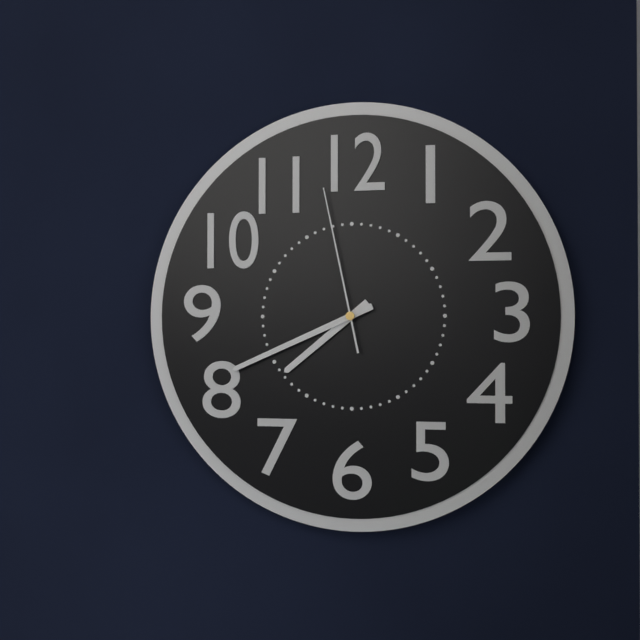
7:41:58
